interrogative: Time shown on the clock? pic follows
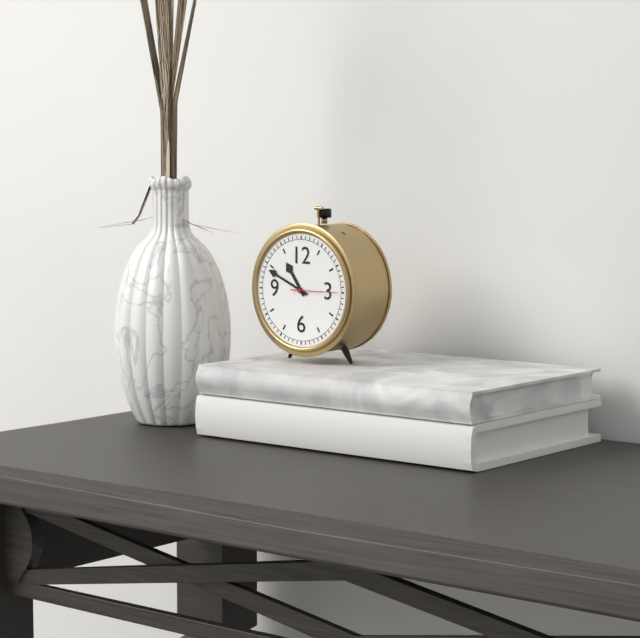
10:49
